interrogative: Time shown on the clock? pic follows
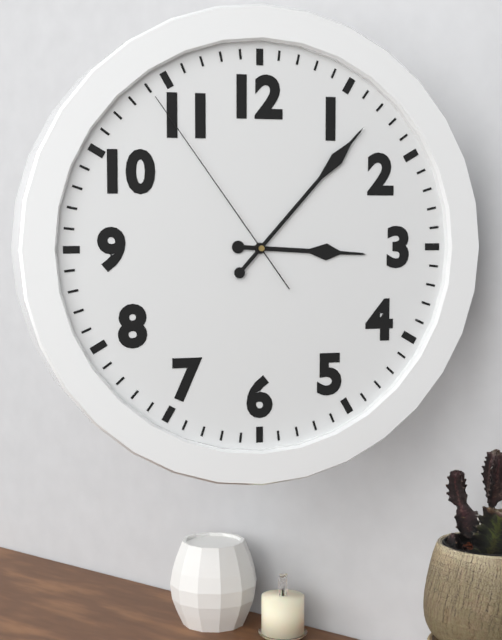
3:07:54
